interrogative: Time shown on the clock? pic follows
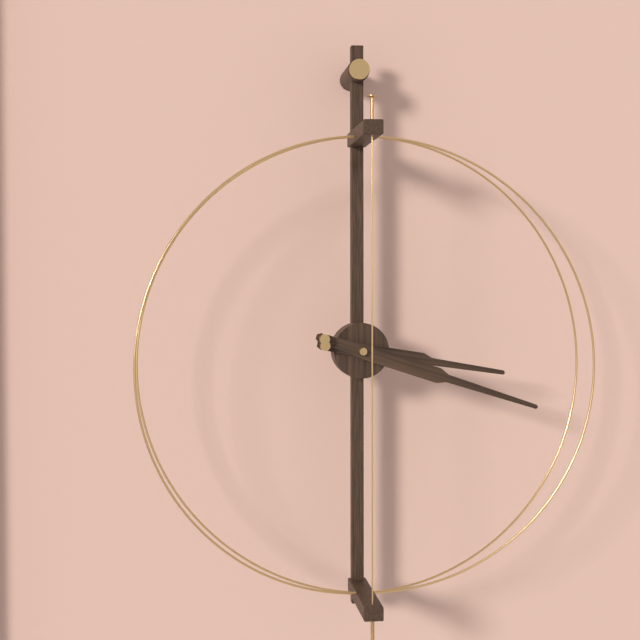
3:18
